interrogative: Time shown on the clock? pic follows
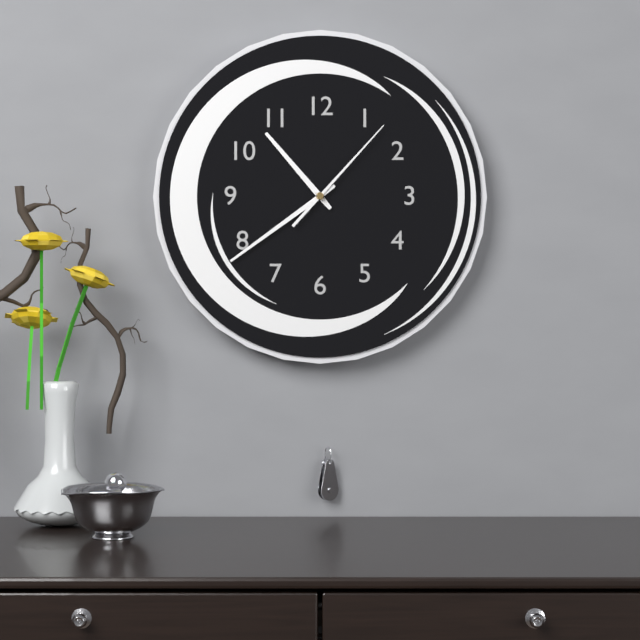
10:39:07
